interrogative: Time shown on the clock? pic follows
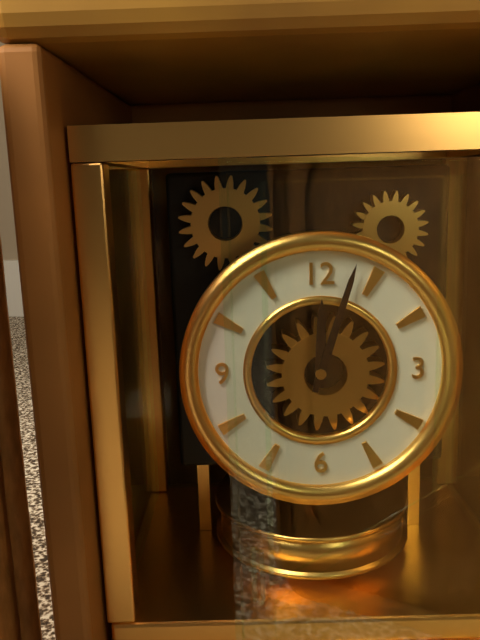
12:03
